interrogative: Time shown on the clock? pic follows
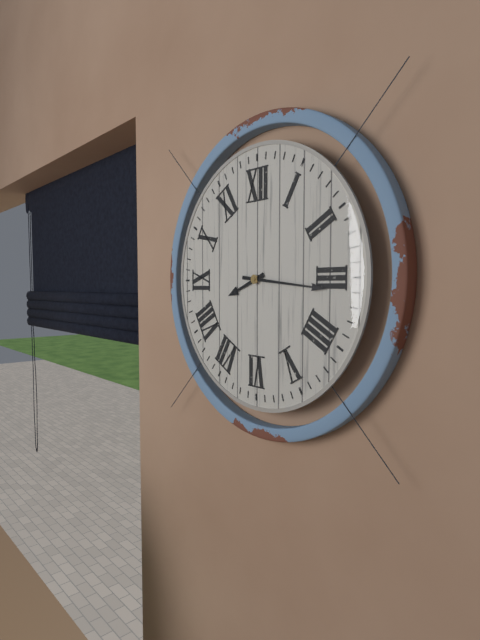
8:16
